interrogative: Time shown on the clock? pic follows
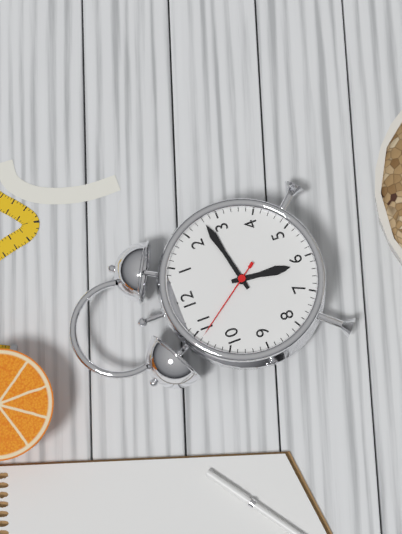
6:13:54
